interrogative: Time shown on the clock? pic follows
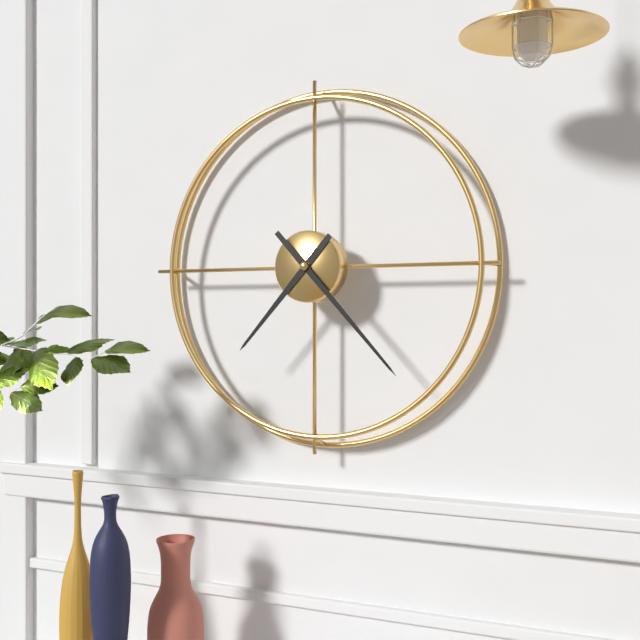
7:23
